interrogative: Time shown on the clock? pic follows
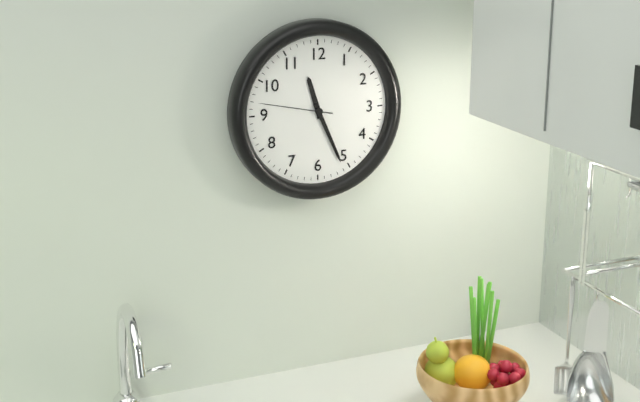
11:26:47
